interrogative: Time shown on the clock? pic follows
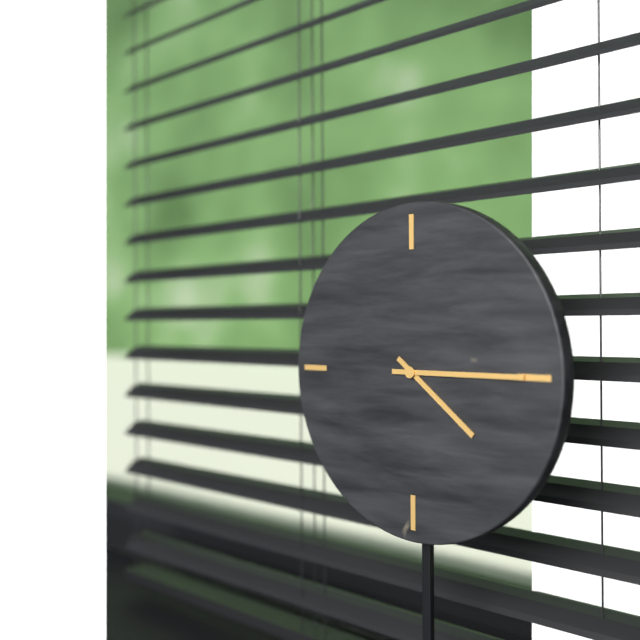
4:15
